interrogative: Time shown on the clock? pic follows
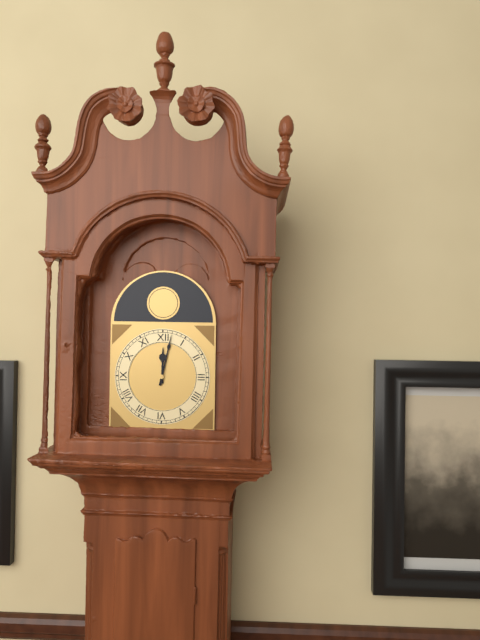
12:02
